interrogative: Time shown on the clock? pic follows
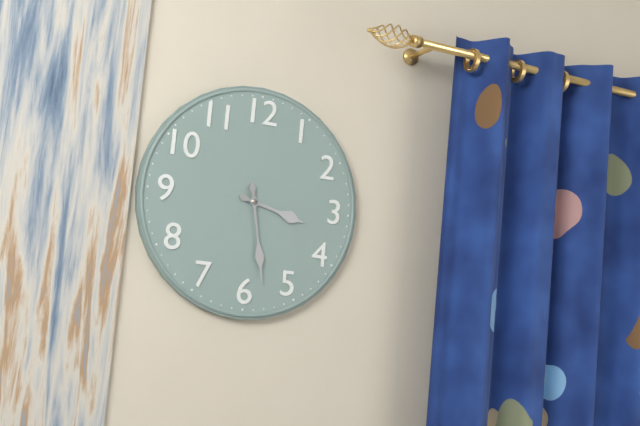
3:28
